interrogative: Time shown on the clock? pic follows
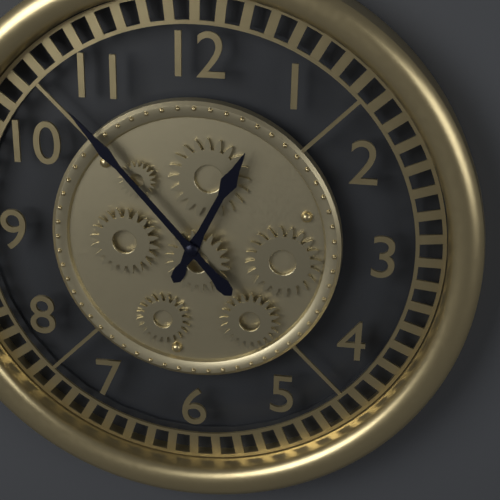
12:53
